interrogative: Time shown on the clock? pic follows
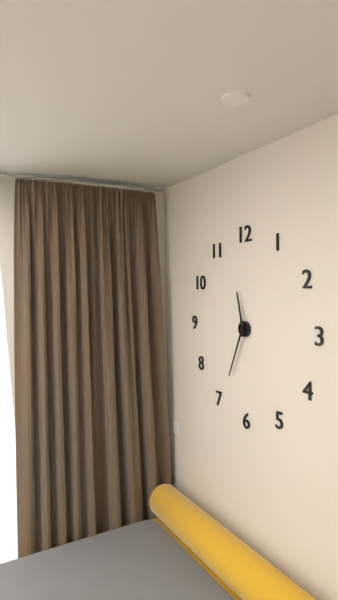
11:34
